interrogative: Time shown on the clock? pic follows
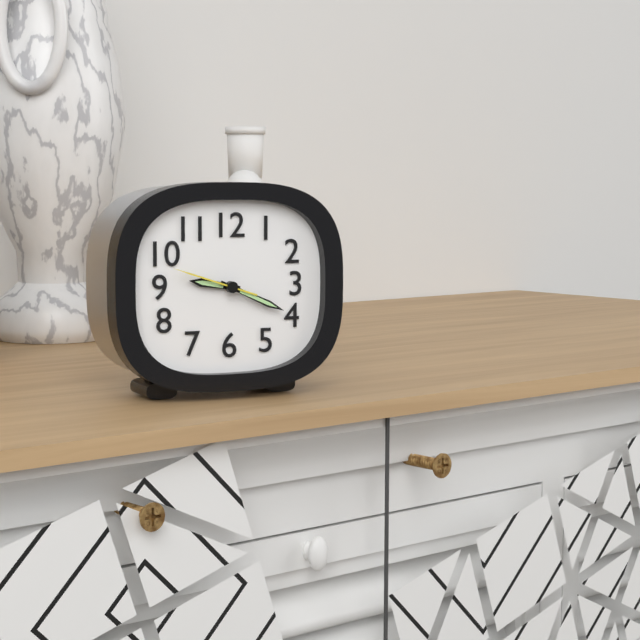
9:19:48
